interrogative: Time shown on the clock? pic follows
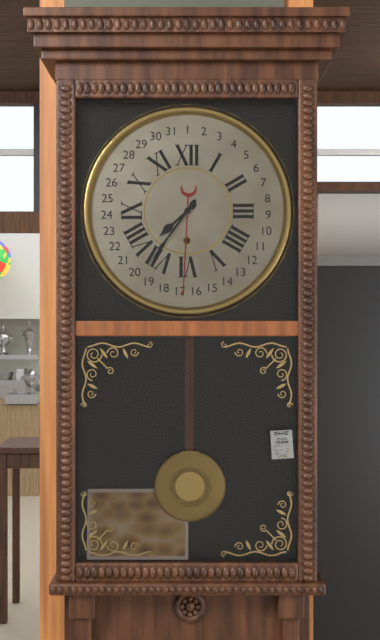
7:36
